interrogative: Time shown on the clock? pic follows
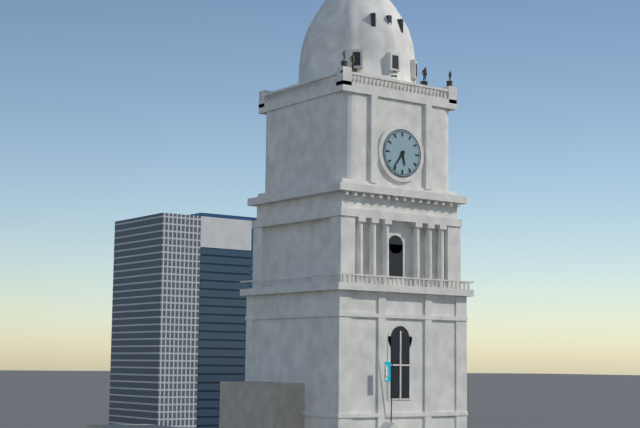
5:36
